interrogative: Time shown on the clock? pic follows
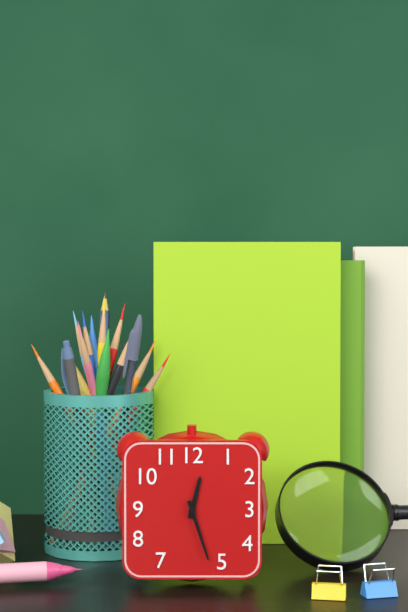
12:27
